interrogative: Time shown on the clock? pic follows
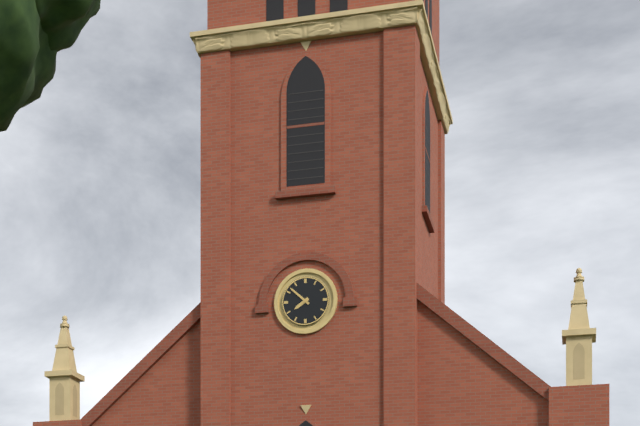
7:52
